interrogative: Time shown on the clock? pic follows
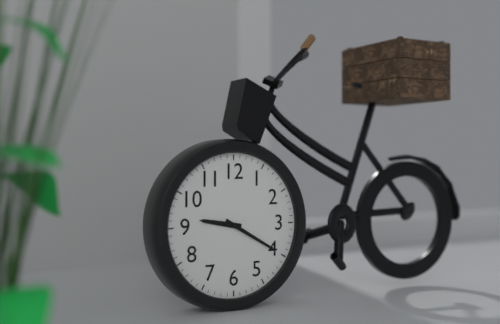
9:20
